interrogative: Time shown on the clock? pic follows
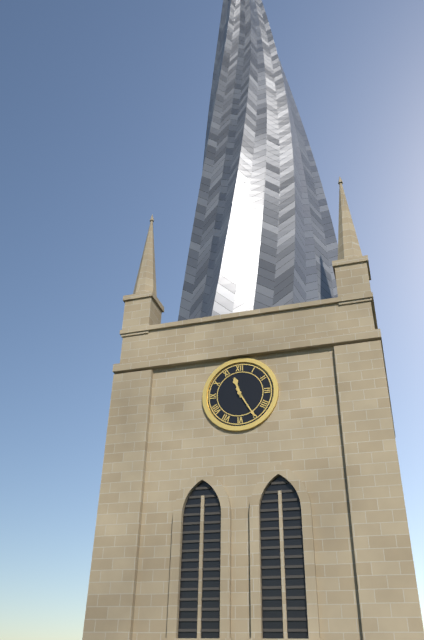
11:25
